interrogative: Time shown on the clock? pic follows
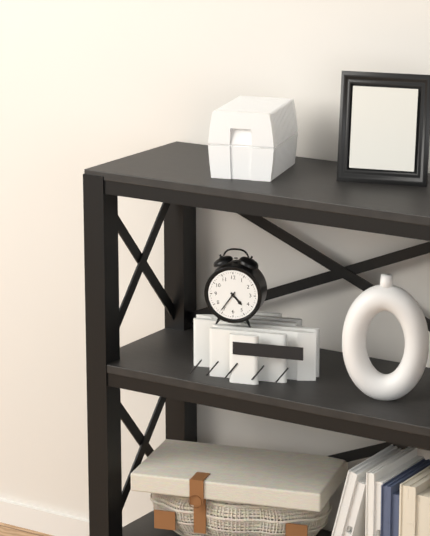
4:36
